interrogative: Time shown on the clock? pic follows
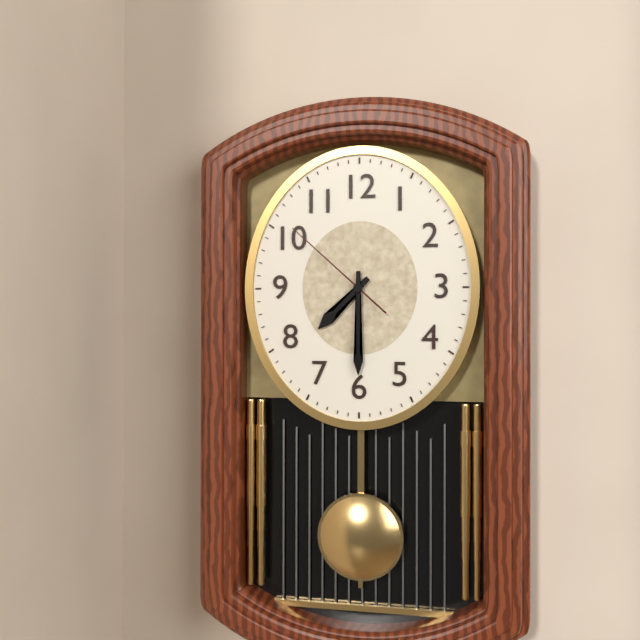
7:30:52
